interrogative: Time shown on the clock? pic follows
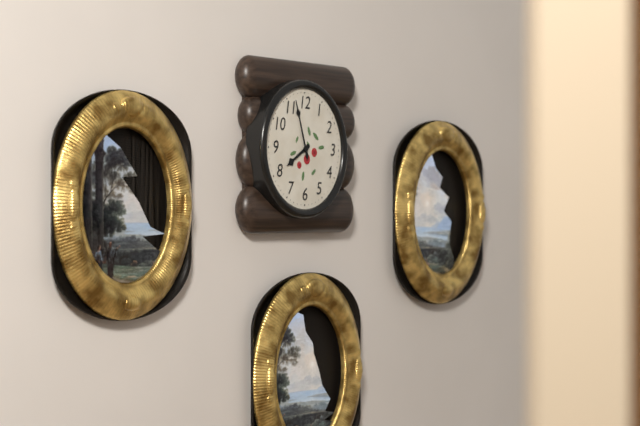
7:57
